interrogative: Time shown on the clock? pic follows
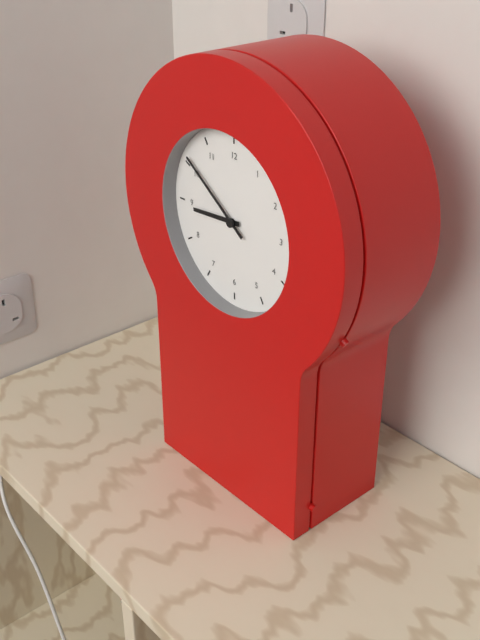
8:51
